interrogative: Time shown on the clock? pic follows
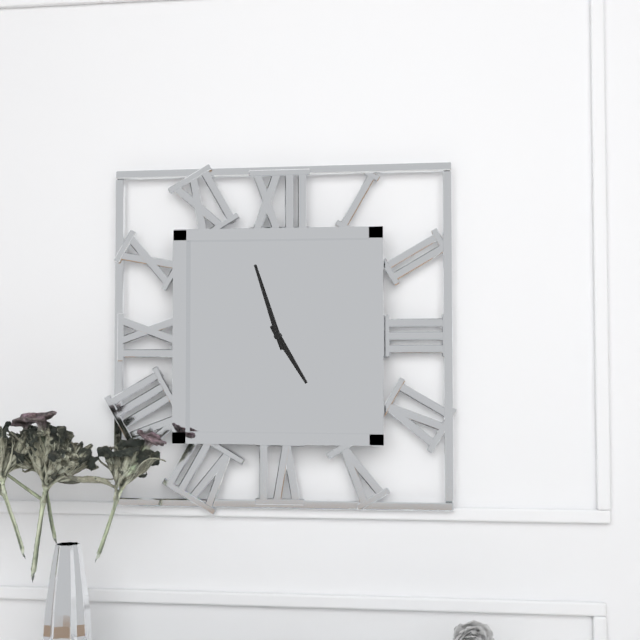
4:57
